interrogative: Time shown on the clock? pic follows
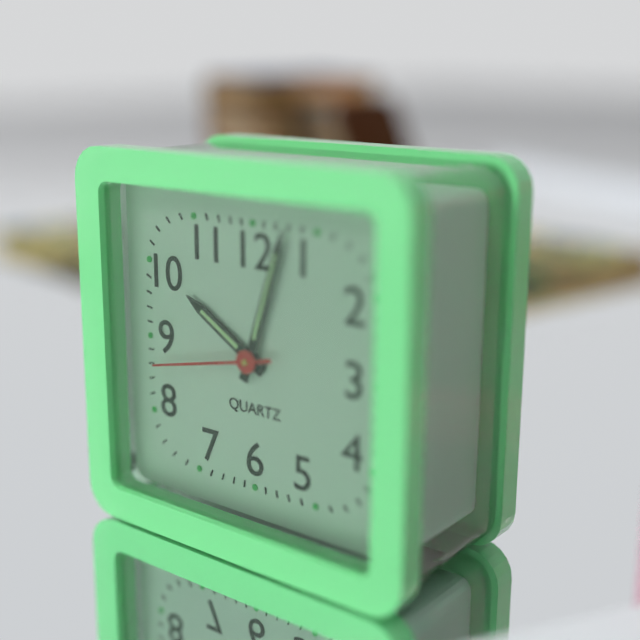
10:03:43
